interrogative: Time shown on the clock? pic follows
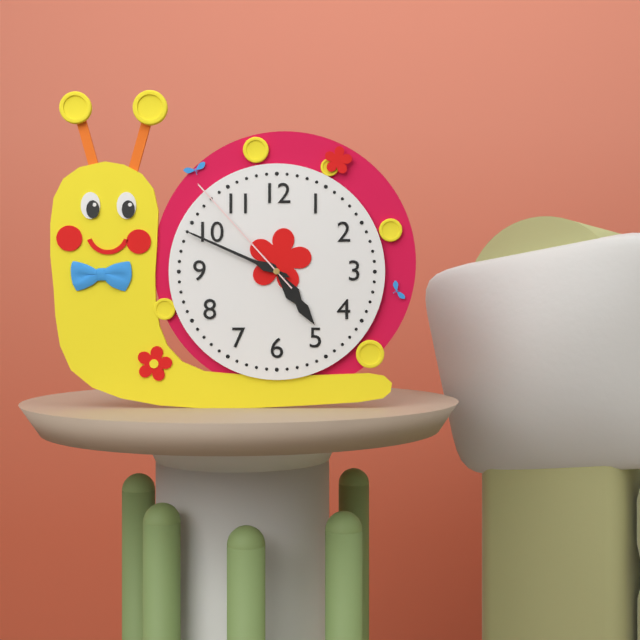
4:49:53
